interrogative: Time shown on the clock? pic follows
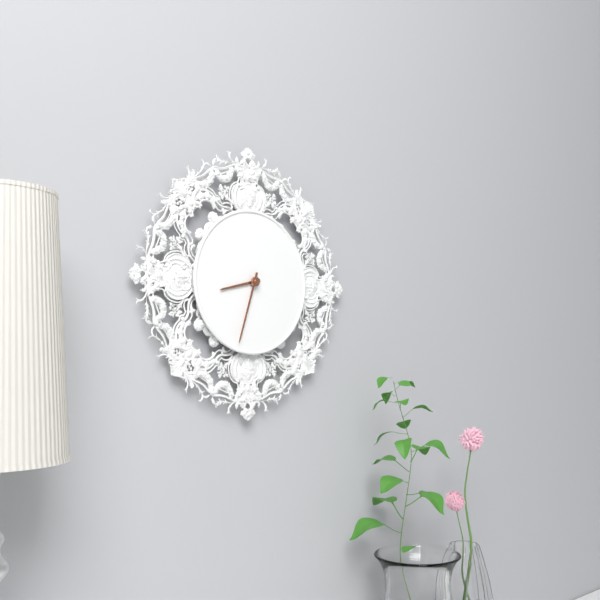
8:33
